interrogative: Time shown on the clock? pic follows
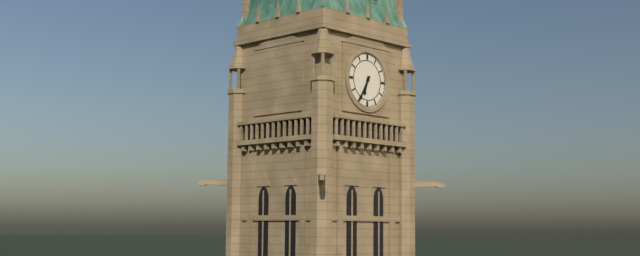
6:35
